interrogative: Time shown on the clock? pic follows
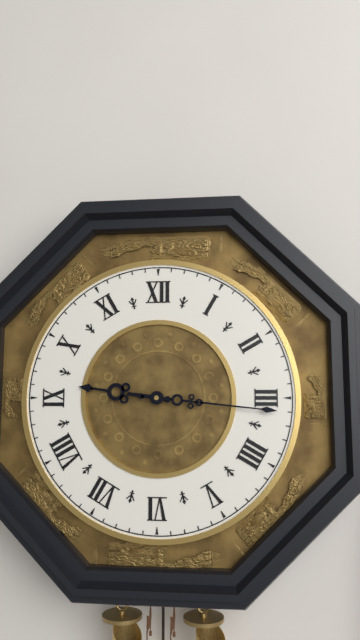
9:16
